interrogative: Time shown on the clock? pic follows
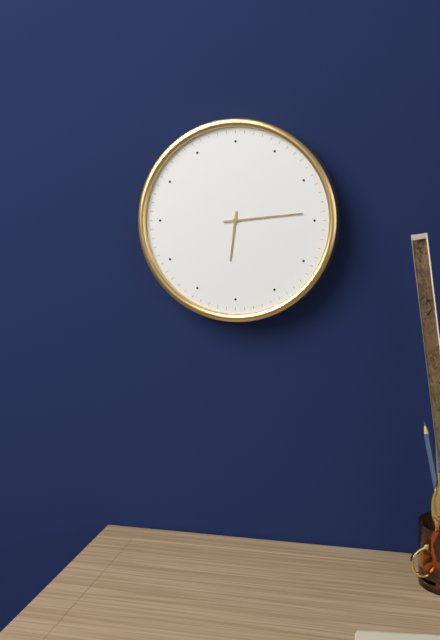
6:14
